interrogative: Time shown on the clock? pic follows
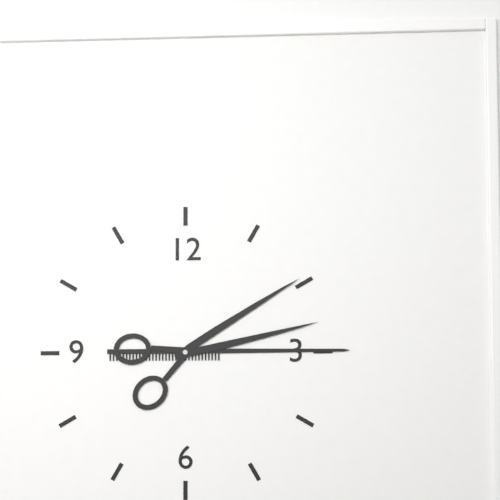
2:15
